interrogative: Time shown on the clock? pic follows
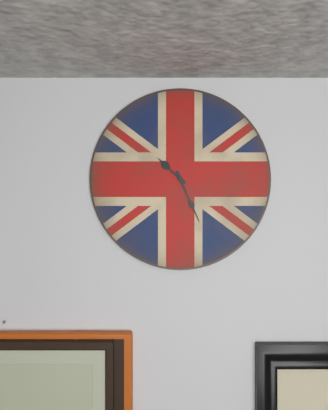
10:26
